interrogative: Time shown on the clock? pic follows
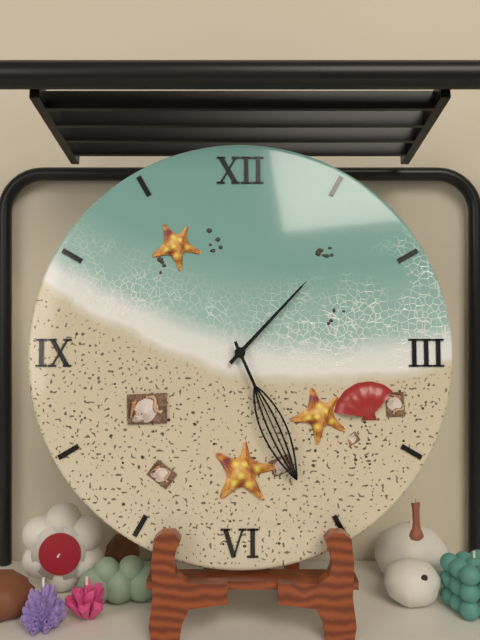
1:26
